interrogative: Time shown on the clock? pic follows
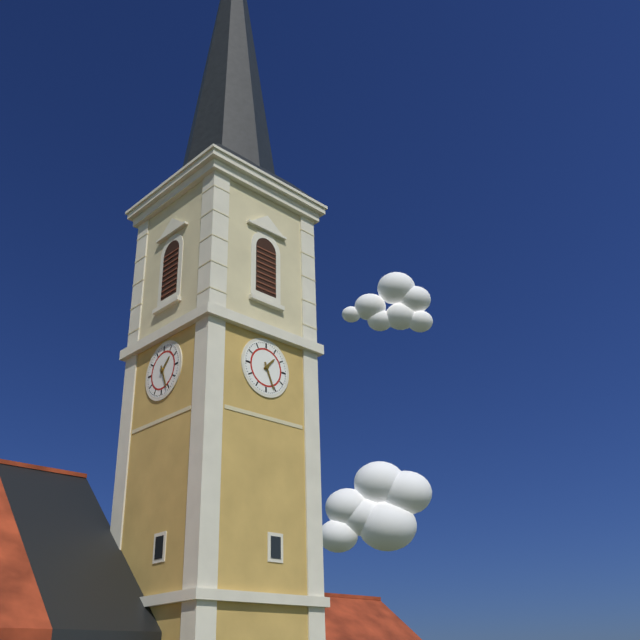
1:26
